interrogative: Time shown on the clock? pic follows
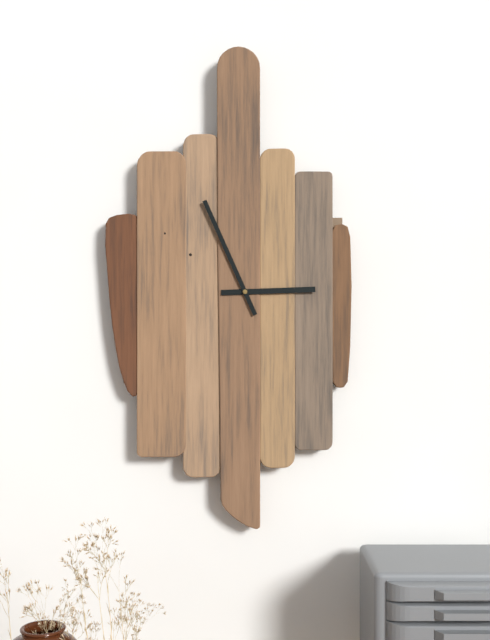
2:56
